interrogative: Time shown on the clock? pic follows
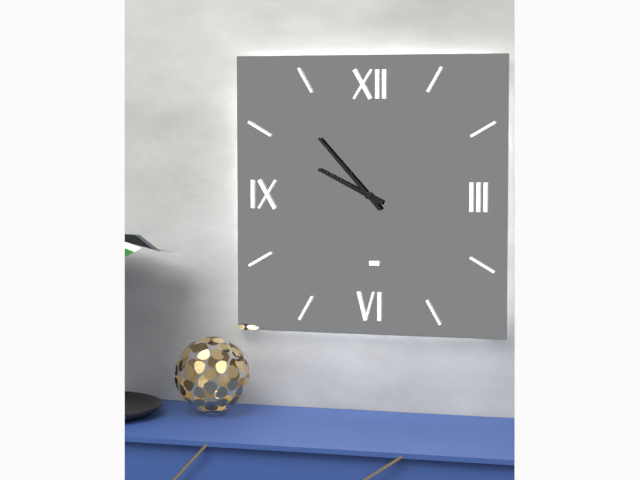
9:53
